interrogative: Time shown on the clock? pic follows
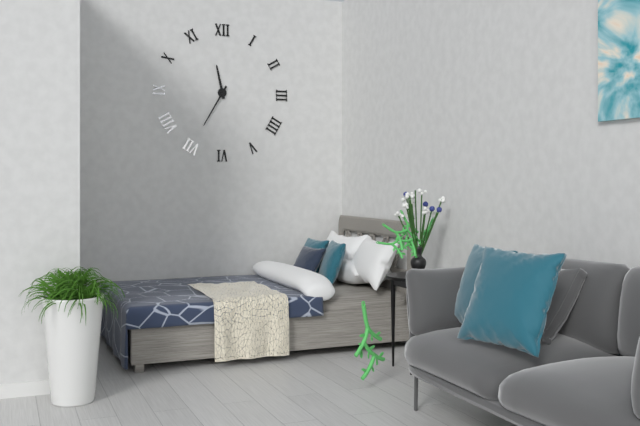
11:35
